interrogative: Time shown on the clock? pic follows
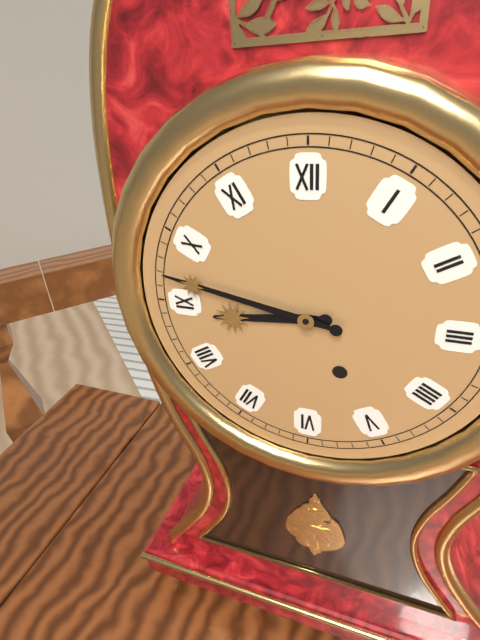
8:47
